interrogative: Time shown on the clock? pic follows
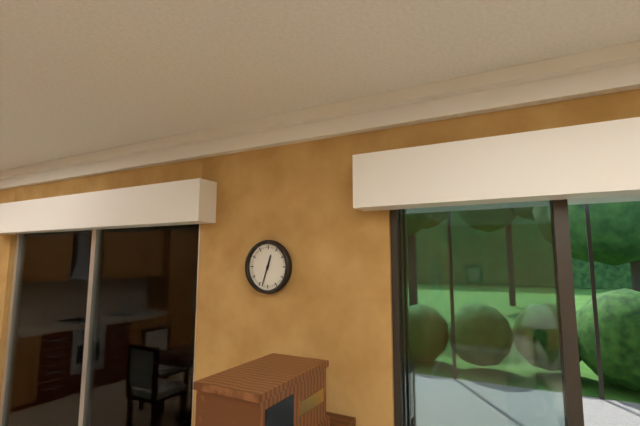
12:33
